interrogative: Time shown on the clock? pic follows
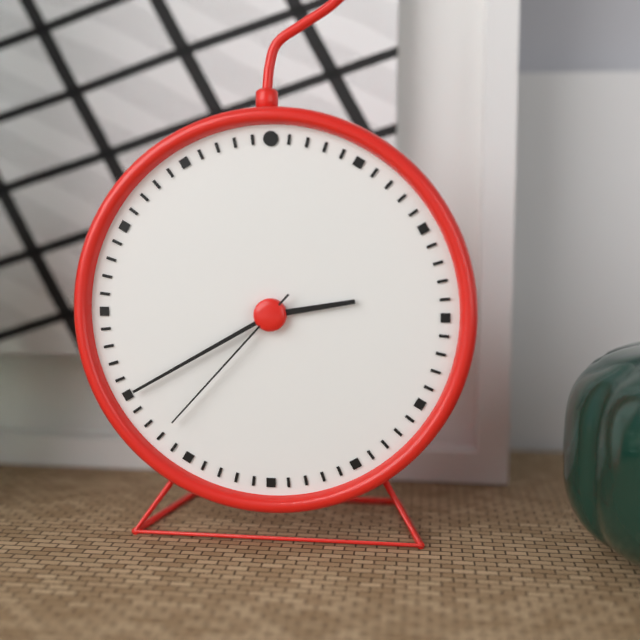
2:40:37
